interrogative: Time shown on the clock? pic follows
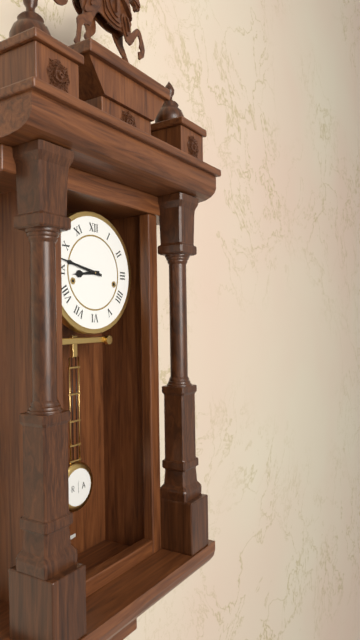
8:47
